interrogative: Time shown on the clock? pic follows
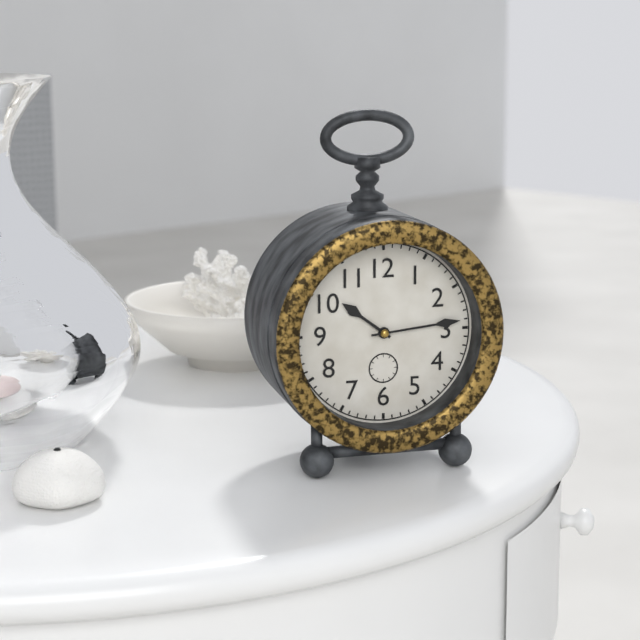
10:14
